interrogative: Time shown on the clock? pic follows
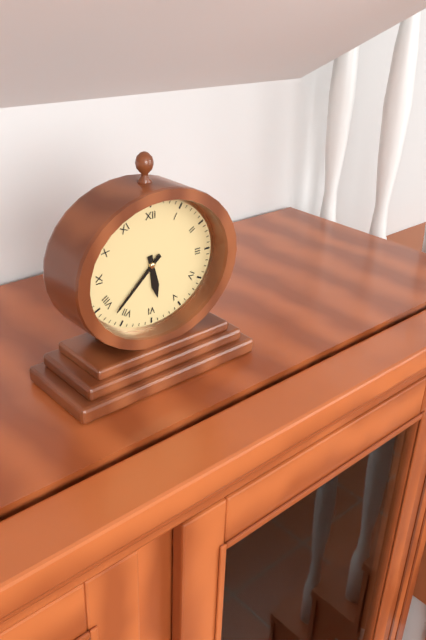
5:38
